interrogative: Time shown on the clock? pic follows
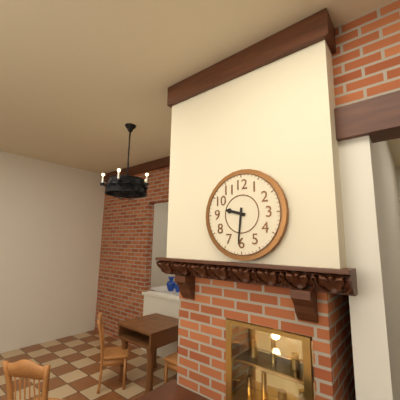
9:31
